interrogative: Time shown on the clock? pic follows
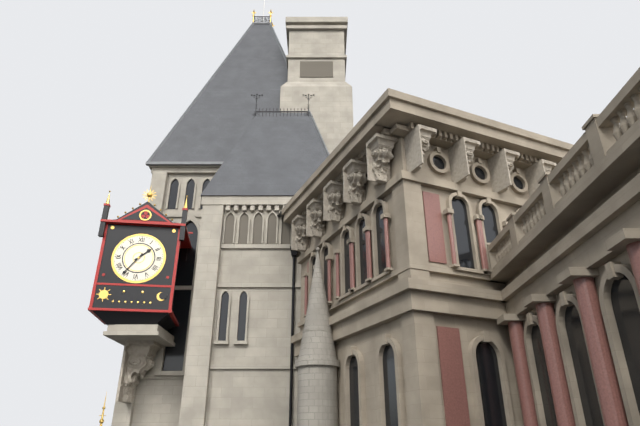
1:36
